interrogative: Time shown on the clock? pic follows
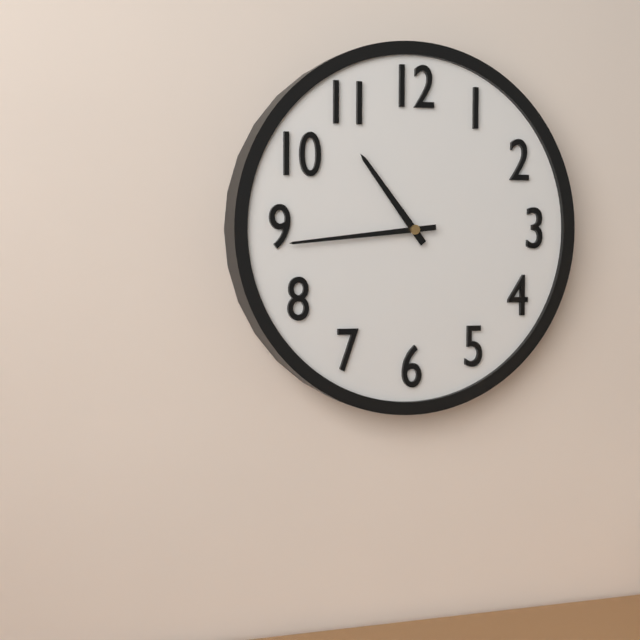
10:44
